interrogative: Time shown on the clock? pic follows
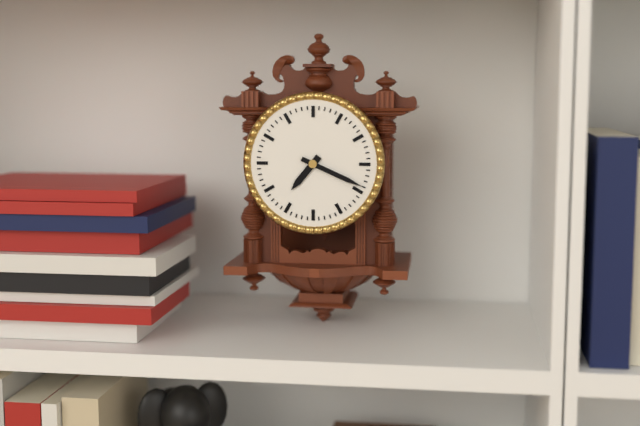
7:19
